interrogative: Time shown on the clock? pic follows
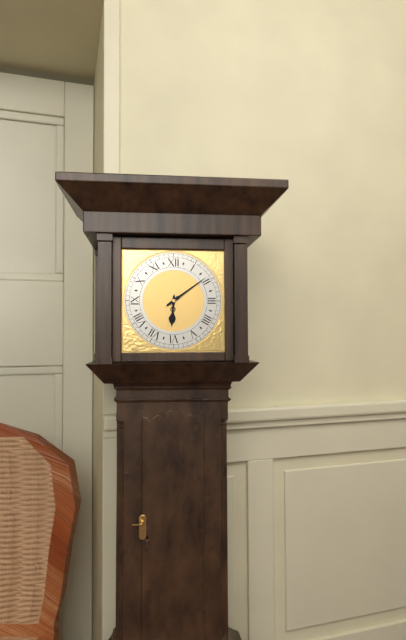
6:09
